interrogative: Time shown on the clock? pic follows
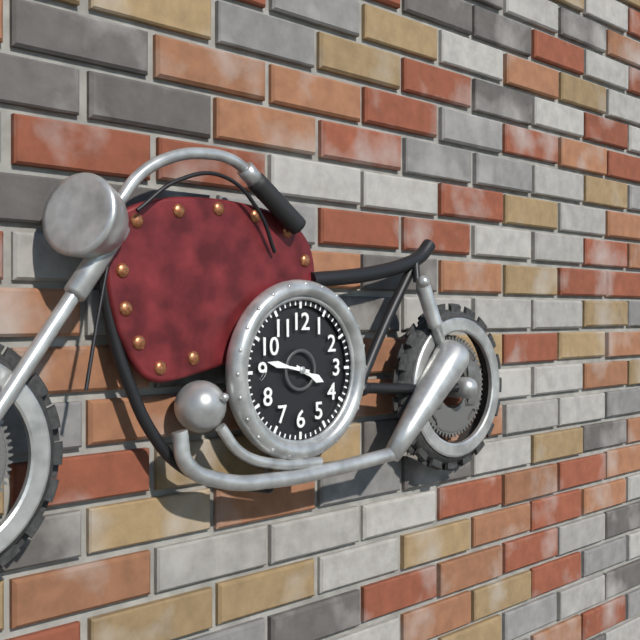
3:47
